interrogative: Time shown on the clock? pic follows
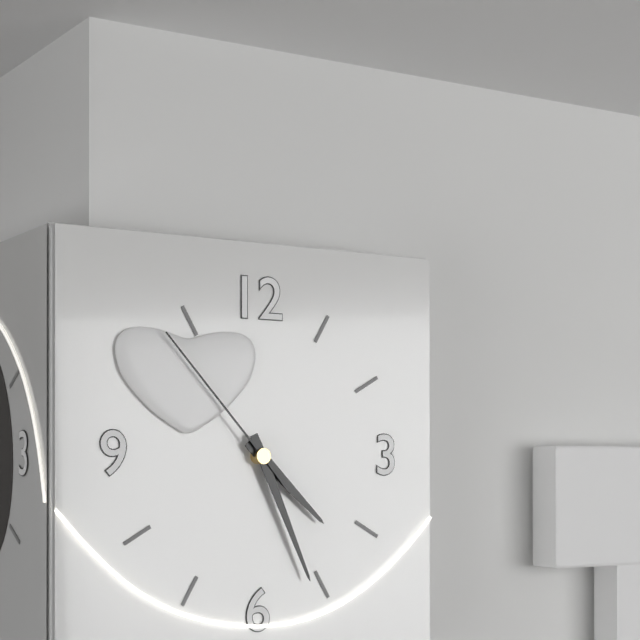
4:26:53
